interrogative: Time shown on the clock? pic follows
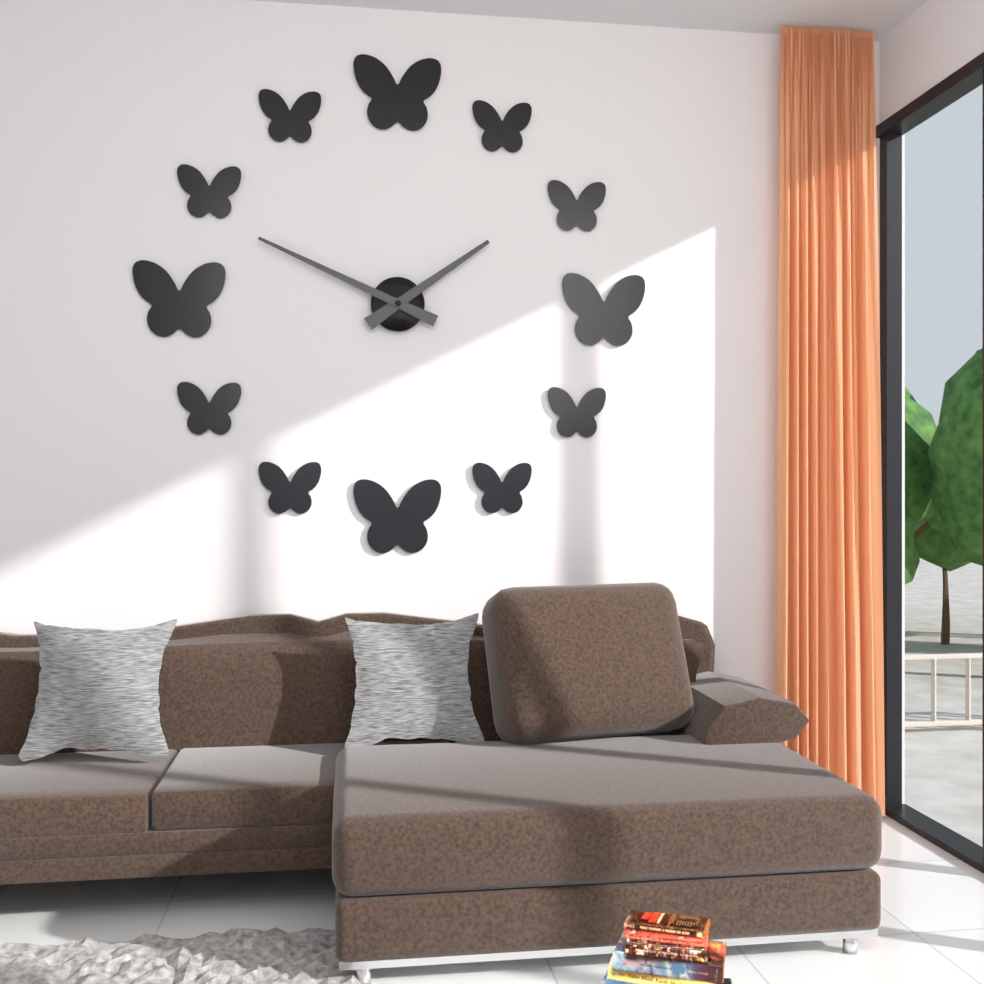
1:49
